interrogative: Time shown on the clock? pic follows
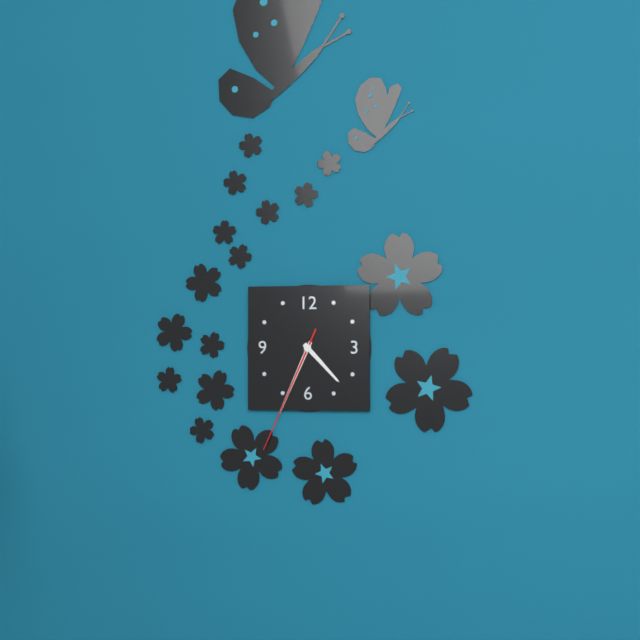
4:34:34
